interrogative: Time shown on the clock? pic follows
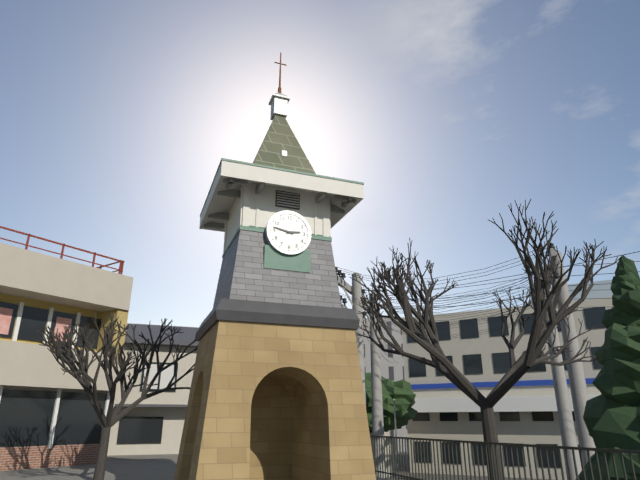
2:47
